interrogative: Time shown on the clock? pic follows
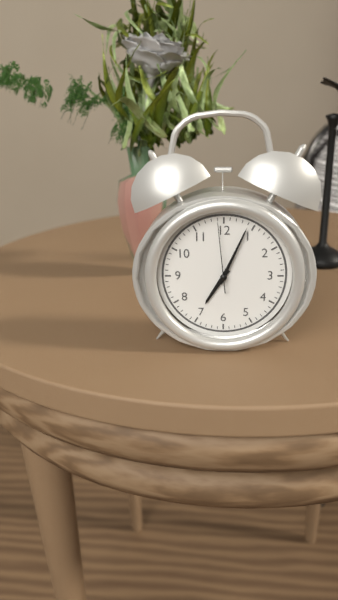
7:04:59
